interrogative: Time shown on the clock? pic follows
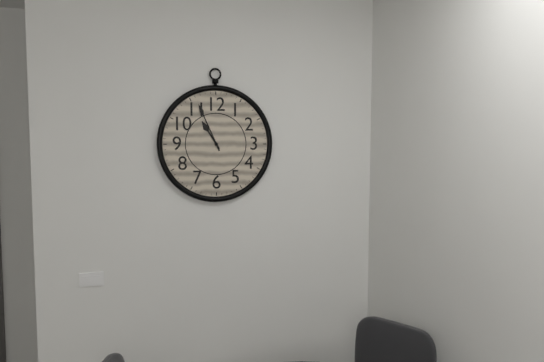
10:56
